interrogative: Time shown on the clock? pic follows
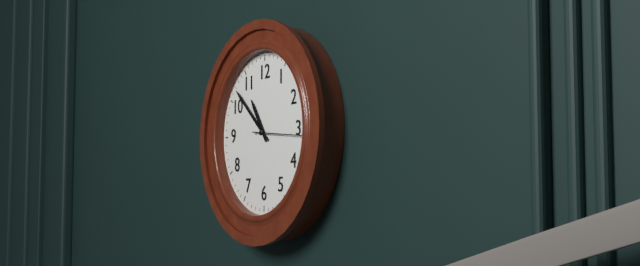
10:52:16
